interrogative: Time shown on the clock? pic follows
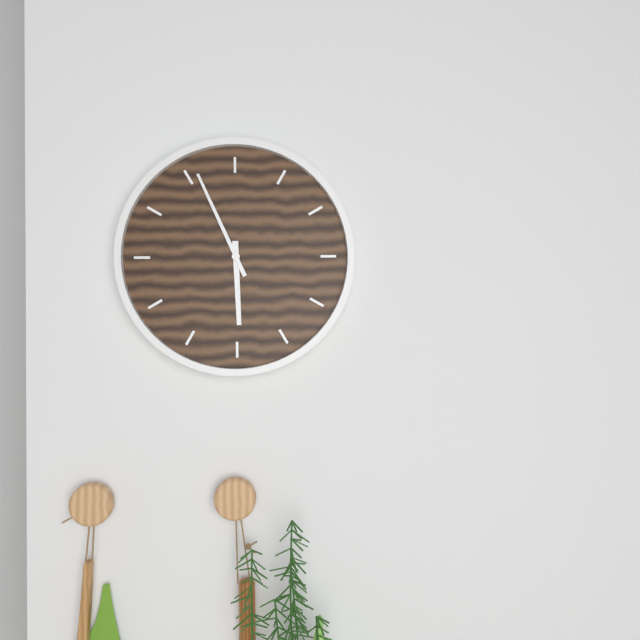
5:56
